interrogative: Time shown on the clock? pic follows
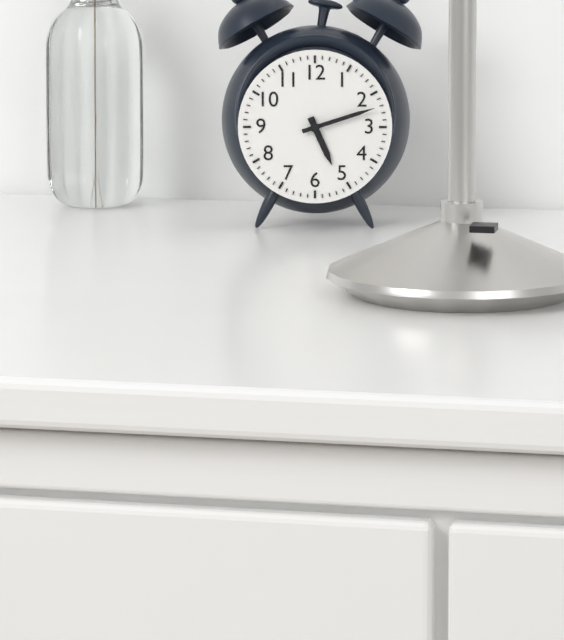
5:12
